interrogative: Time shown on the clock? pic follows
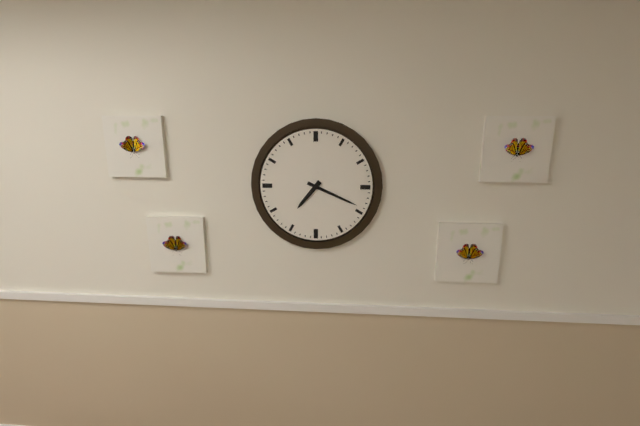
7:19
